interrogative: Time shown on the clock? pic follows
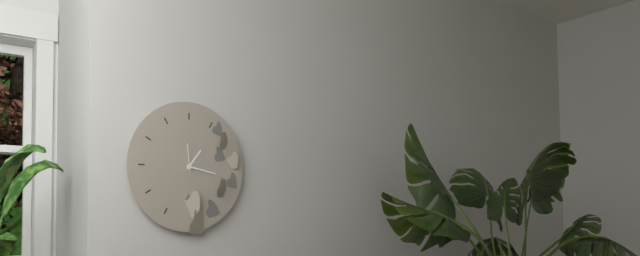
1:17
